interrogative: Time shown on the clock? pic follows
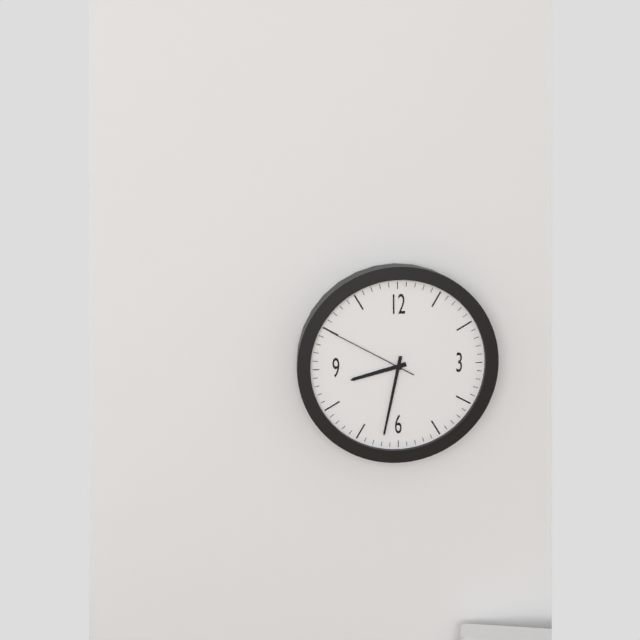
8:32:50
